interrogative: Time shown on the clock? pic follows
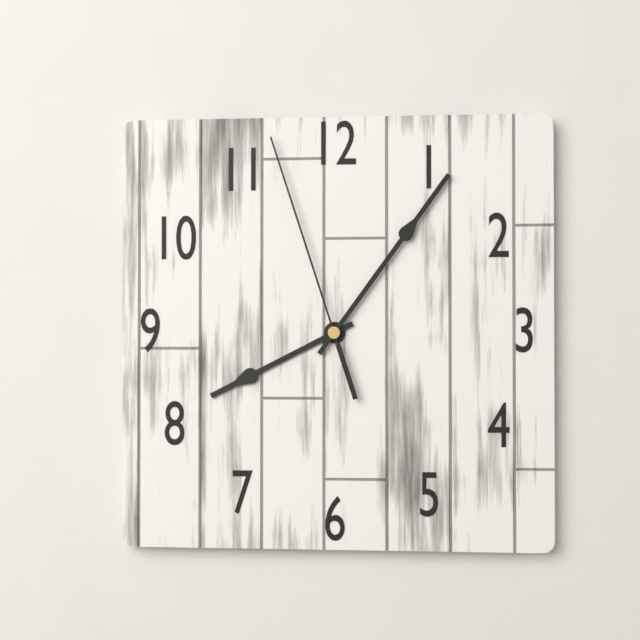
8:06:57
